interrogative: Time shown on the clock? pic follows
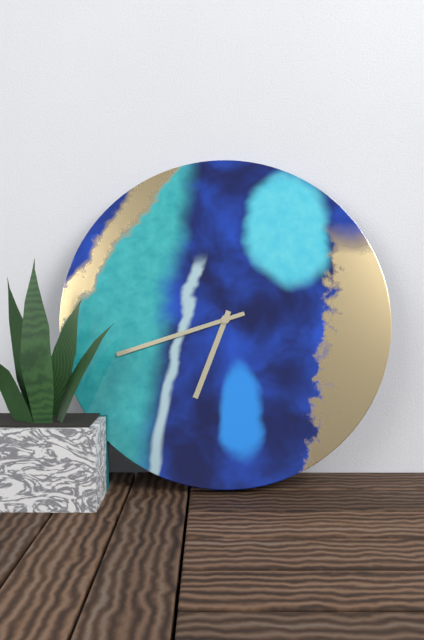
6:42
